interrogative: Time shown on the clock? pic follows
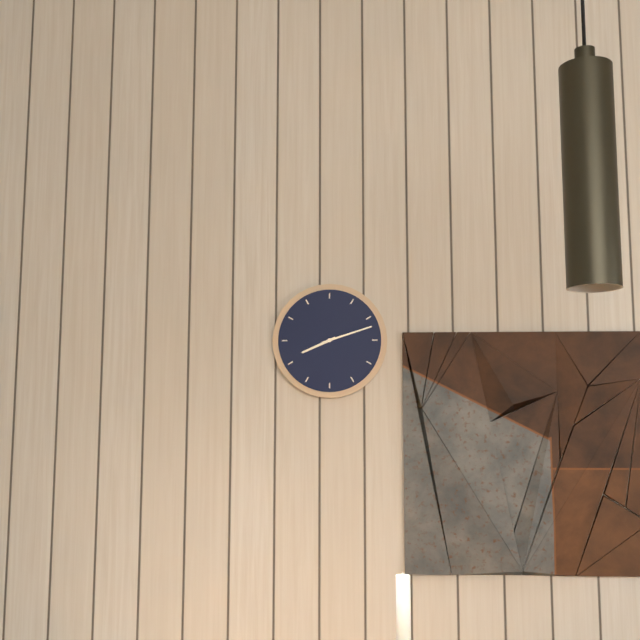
8:12
